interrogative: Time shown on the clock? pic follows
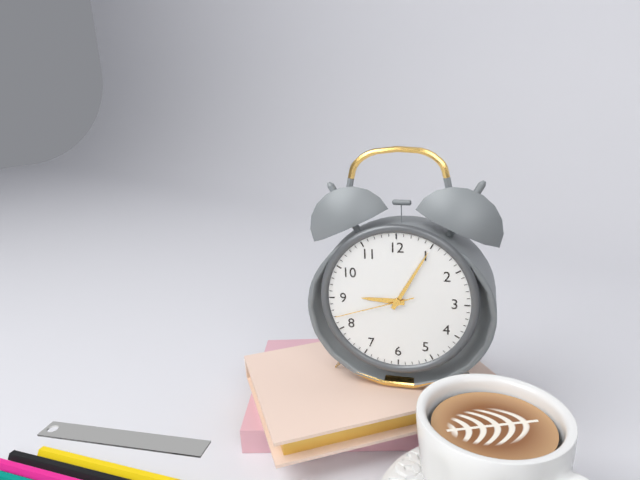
9:05:42
